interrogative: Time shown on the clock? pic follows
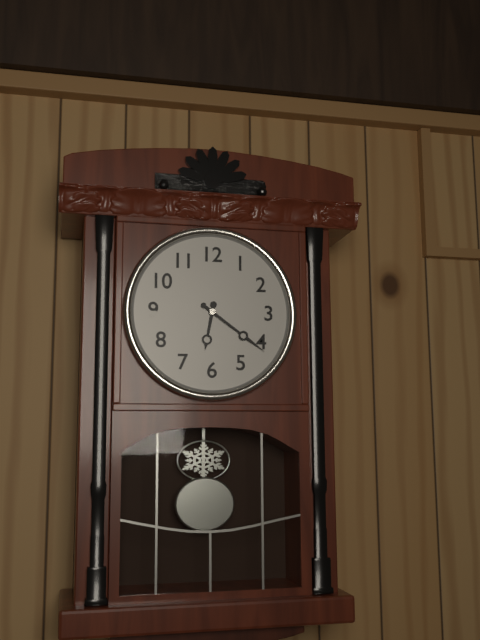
6:21
